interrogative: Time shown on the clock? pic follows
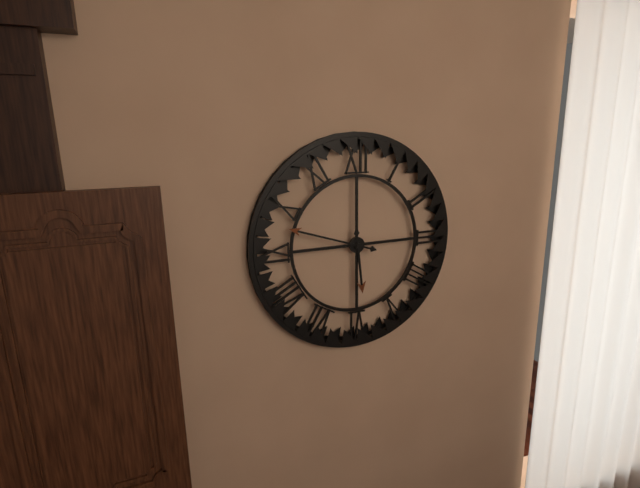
5:48
